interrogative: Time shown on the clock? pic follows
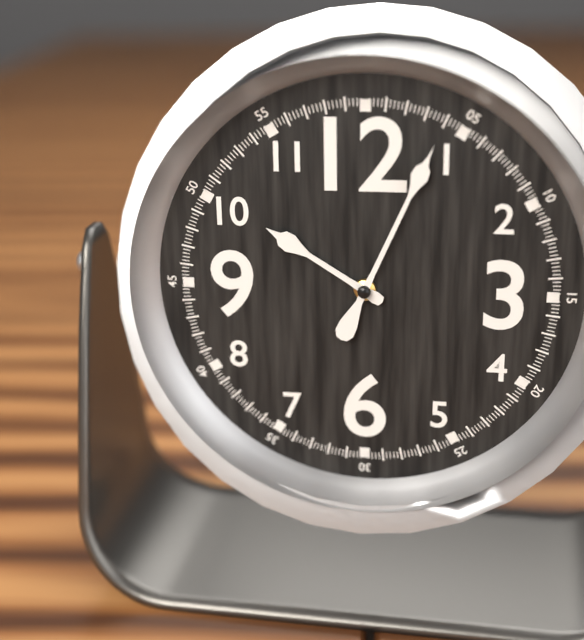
10:04
